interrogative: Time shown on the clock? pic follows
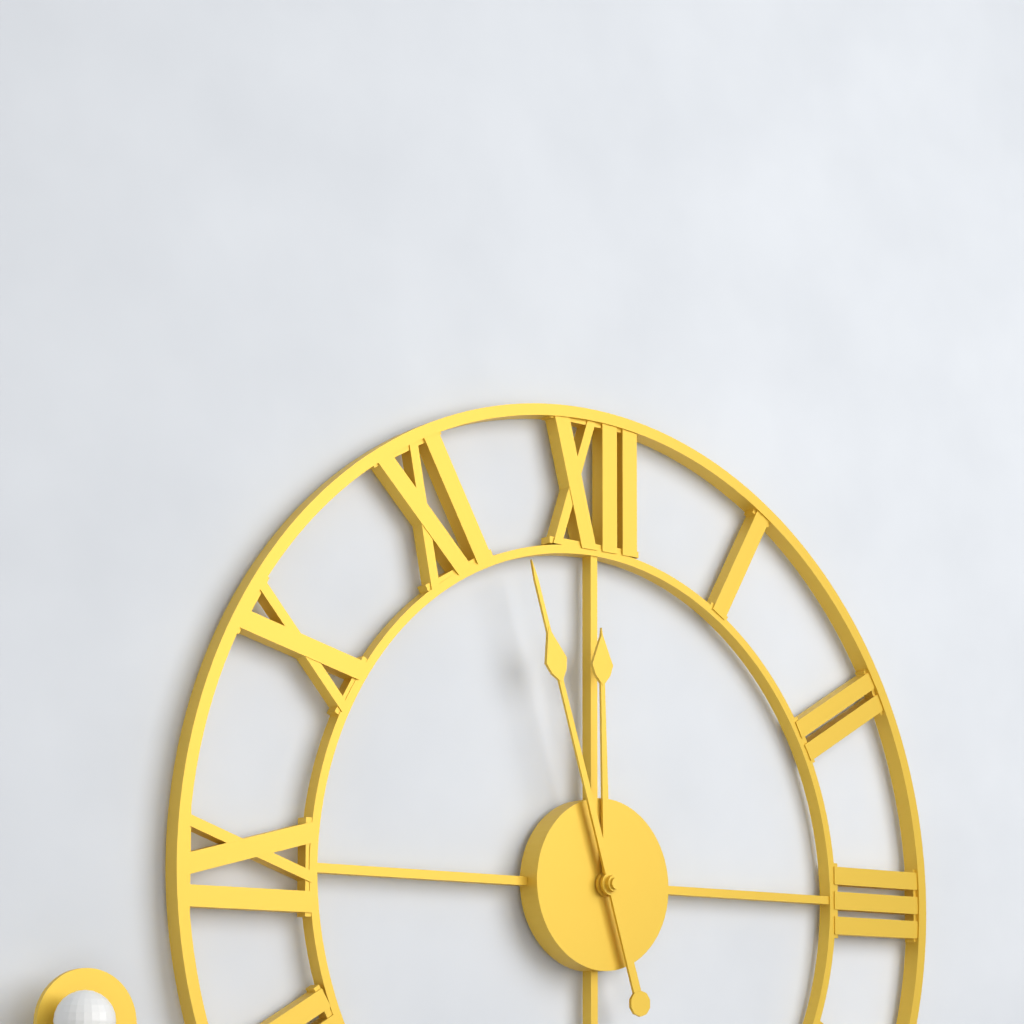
11:57
